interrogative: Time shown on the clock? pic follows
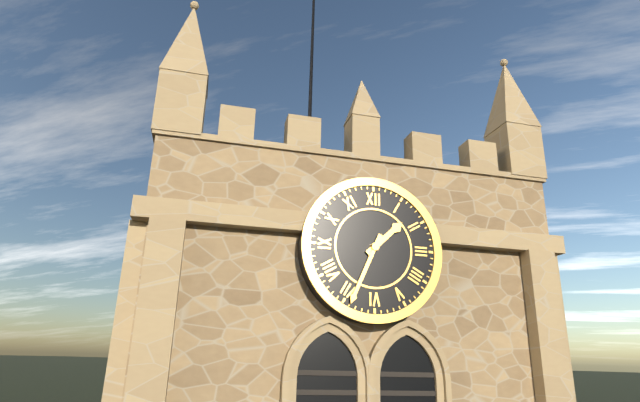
1:34
